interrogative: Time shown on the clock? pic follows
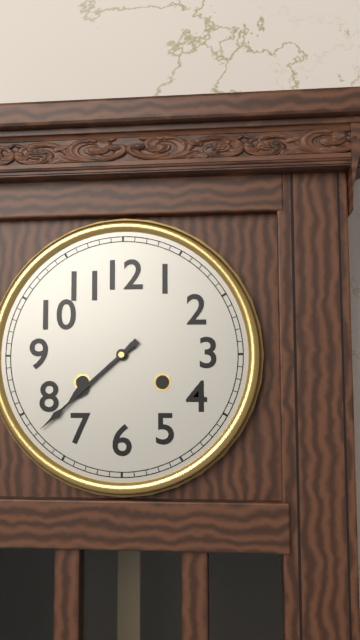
7:38
